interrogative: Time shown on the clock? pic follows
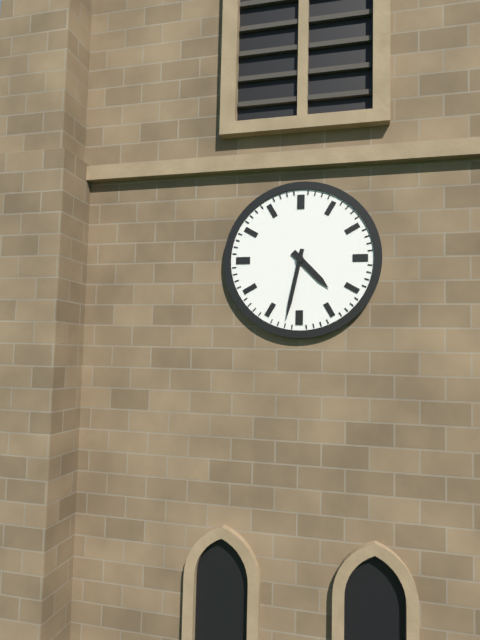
4:32
